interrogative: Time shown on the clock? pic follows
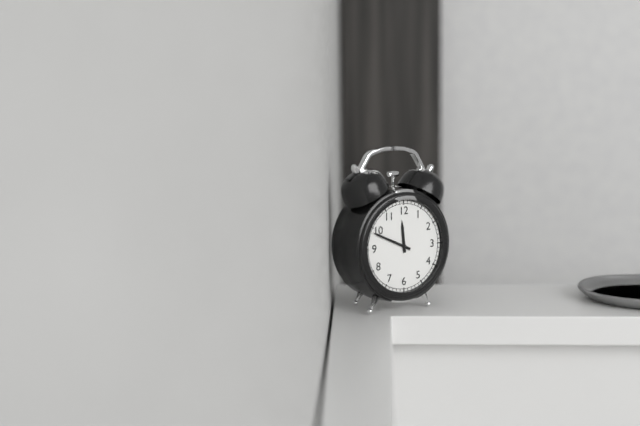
11:49
